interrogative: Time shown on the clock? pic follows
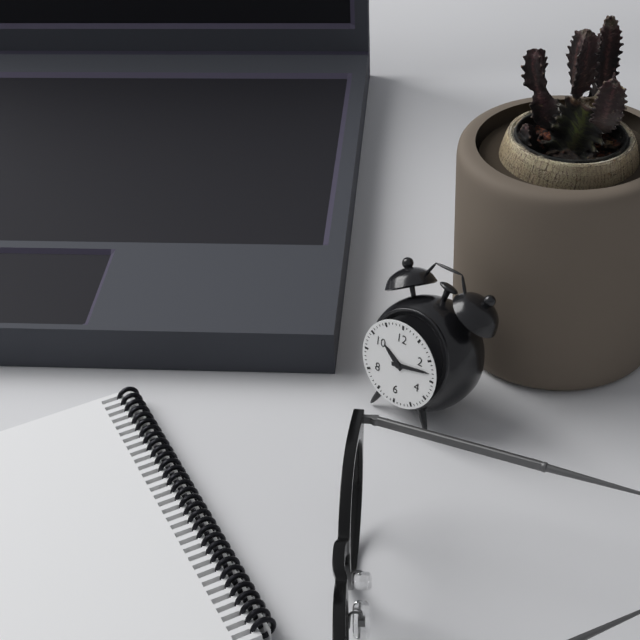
10:13
